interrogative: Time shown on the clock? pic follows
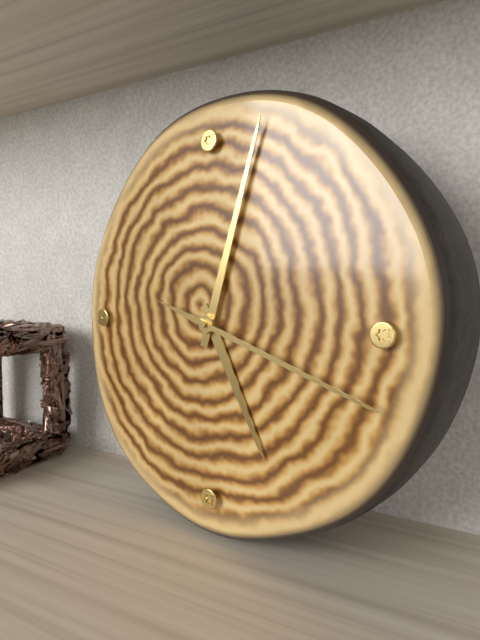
5:03:18
